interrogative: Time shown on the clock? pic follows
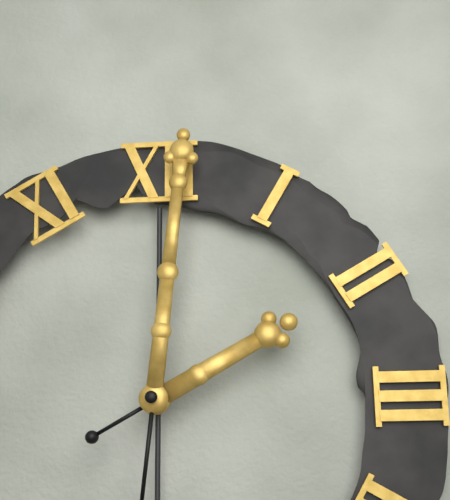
2:01
